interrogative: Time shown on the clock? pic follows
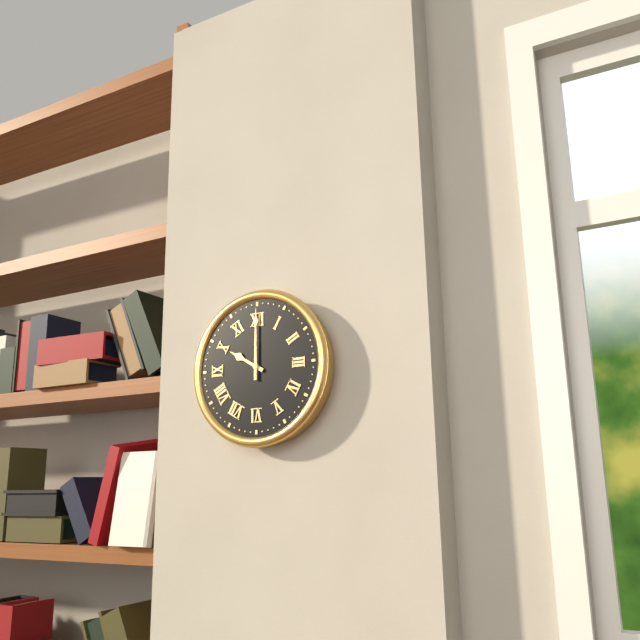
10:00
